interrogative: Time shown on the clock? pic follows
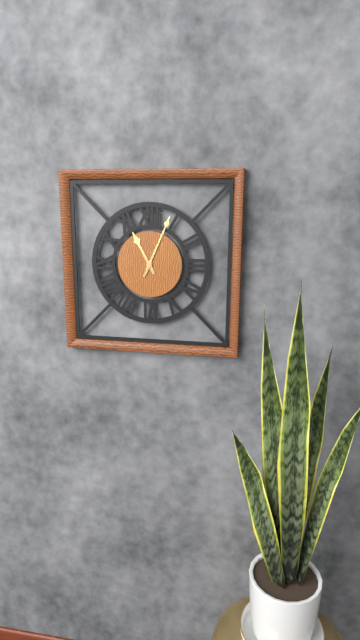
11:04
